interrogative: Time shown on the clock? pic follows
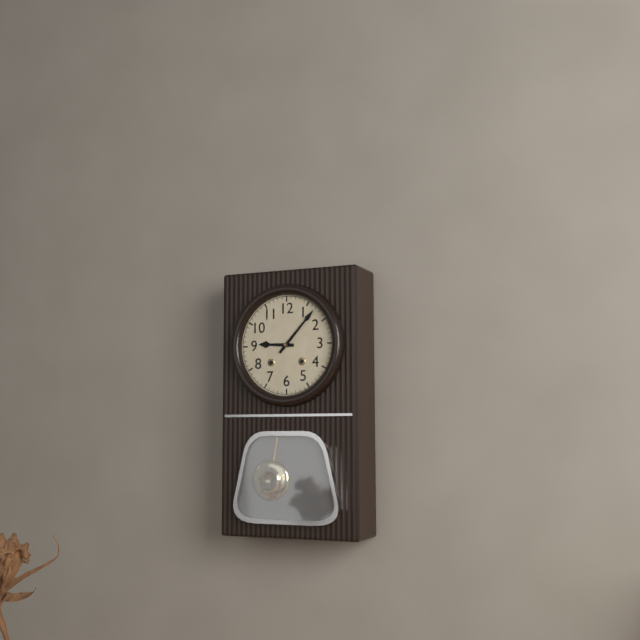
9:07
